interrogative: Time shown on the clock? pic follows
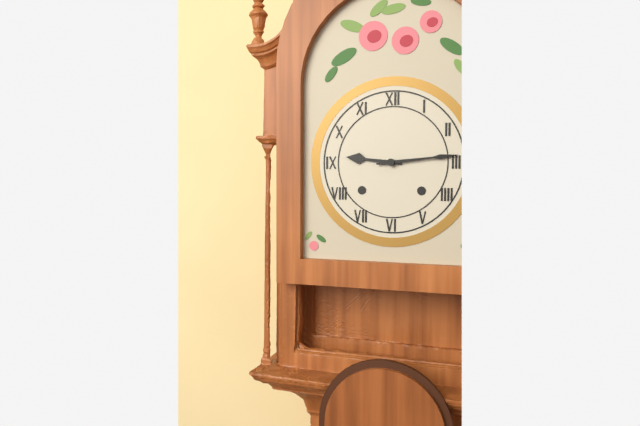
9:14
